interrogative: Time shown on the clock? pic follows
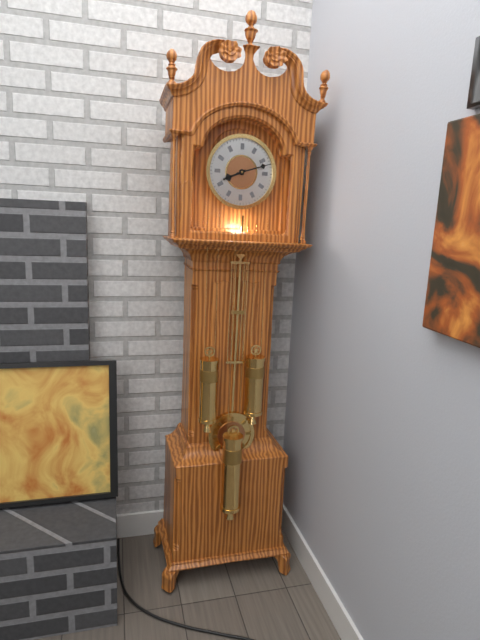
8:12
